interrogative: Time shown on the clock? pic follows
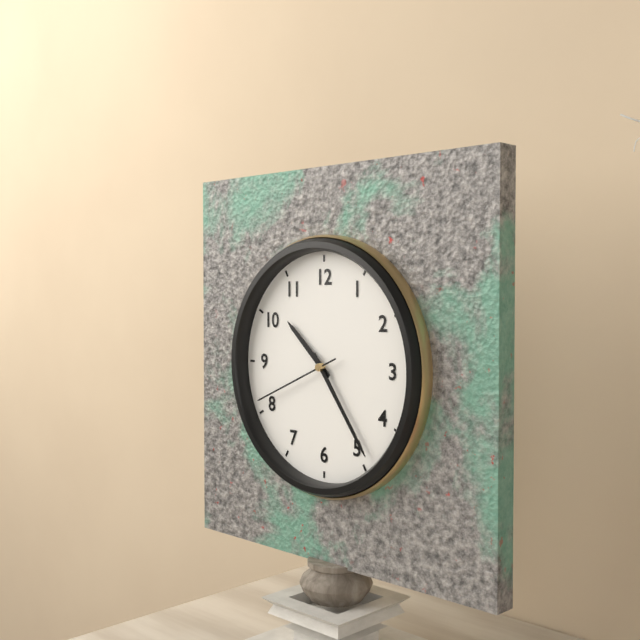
10:24:41
